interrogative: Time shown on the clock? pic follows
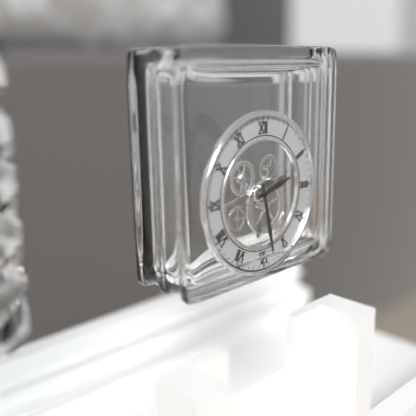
2:28
